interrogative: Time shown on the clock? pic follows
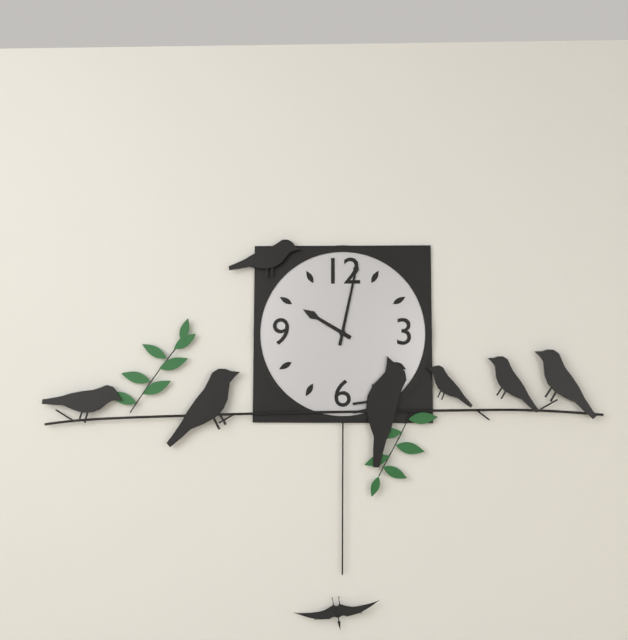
10:02
